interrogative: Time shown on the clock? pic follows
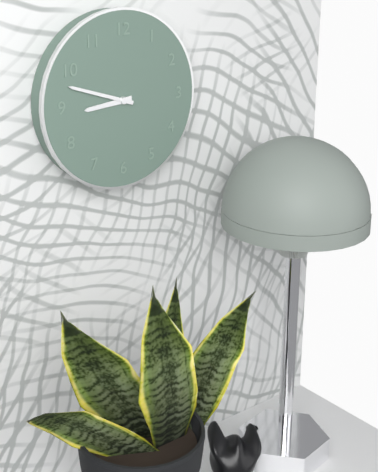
8:48
